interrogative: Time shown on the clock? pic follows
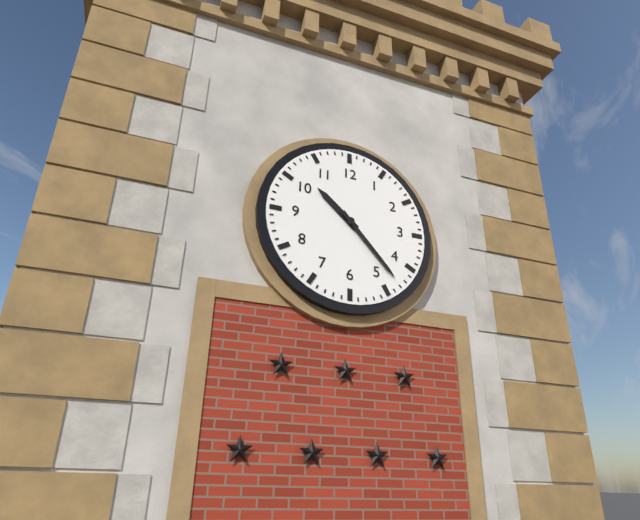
10:23
